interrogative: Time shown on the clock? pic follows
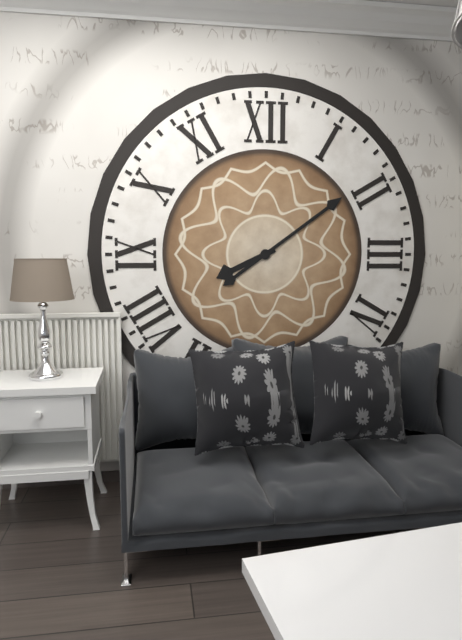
8:09
